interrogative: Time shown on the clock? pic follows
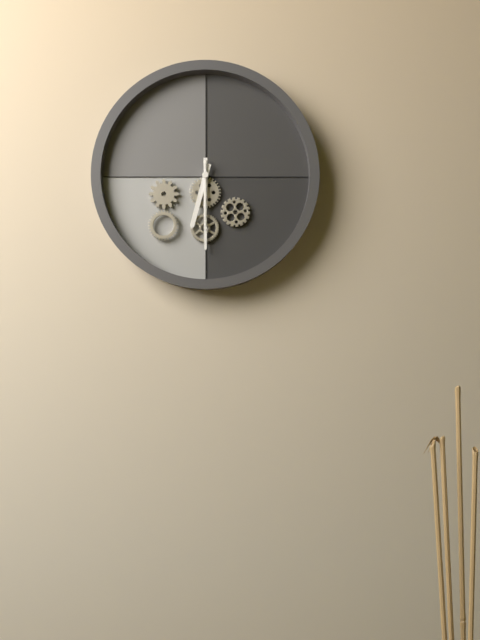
6:30:30
